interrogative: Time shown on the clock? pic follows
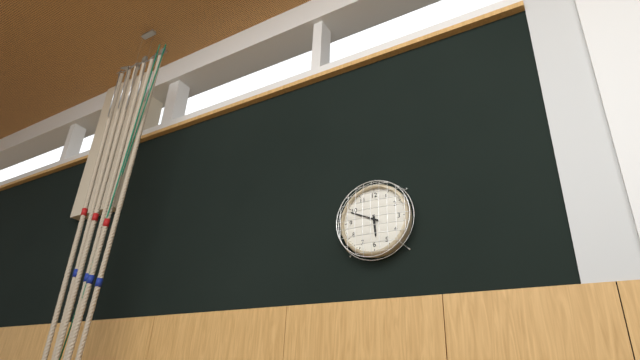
5:49
